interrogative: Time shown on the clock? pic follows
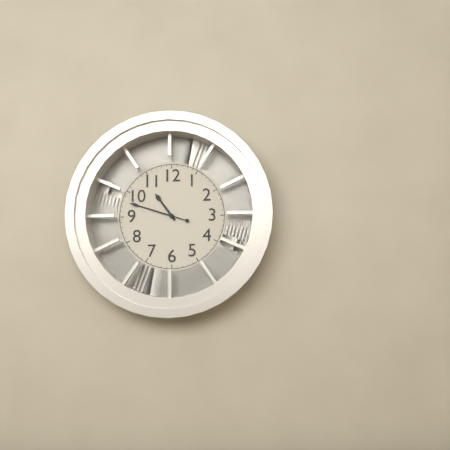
10:48
